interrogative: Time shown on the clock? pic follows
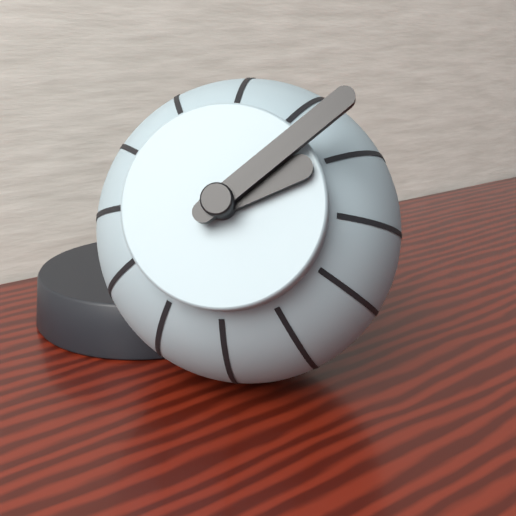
2:08
